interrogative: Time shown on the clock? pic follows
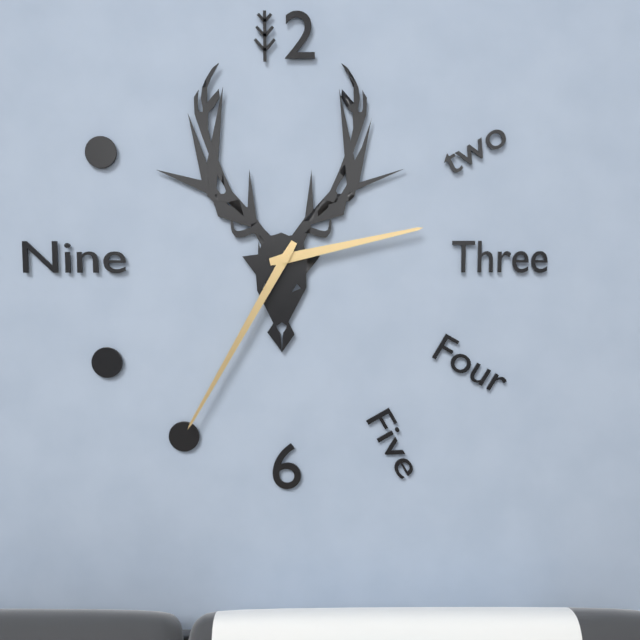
2:35
